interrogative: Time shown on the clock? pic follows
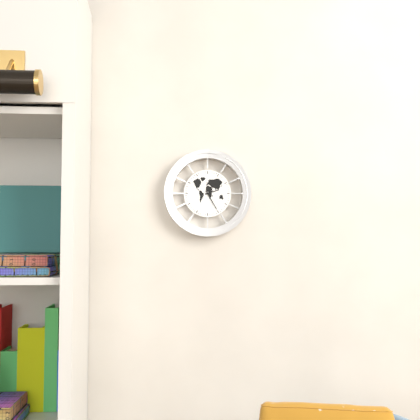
2:25
